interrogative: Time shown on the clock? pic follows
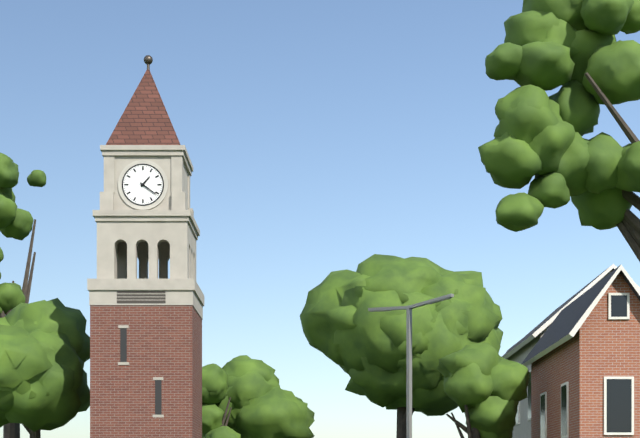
1:21
